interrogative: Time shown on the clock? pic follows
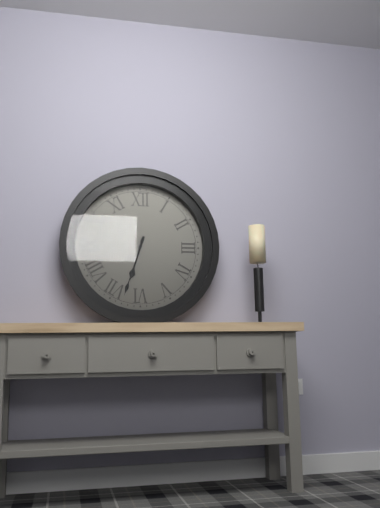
6:33
